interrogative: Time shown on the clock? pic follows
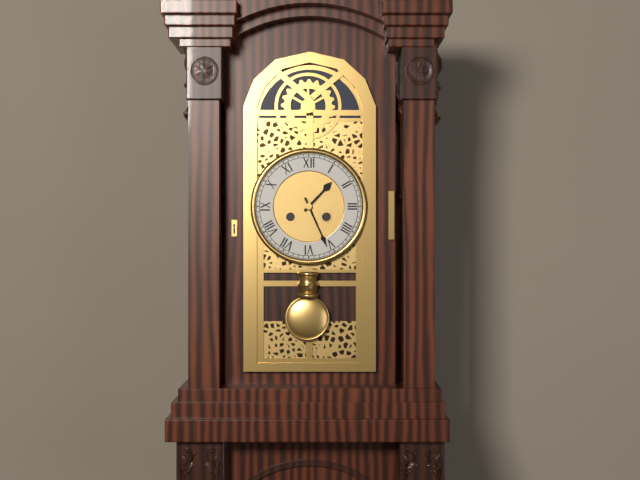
1:26
